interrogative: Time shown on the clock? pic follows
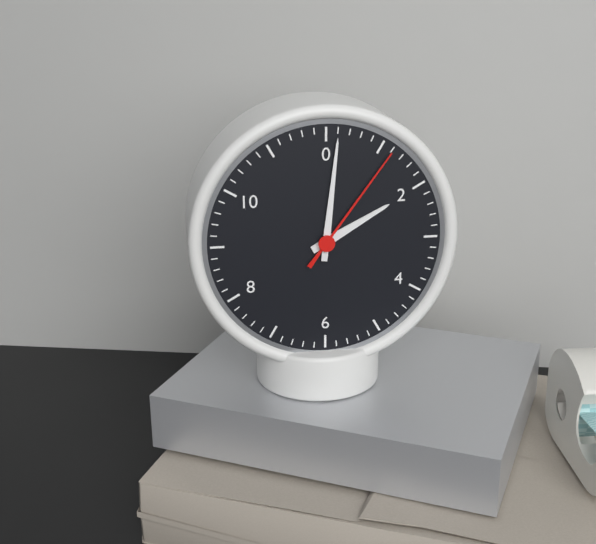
2:01:06
